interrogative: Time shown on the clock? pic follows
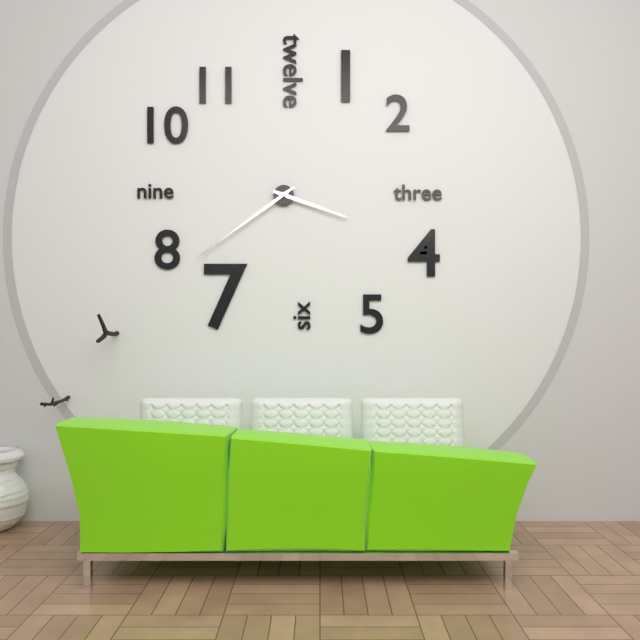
3:39
